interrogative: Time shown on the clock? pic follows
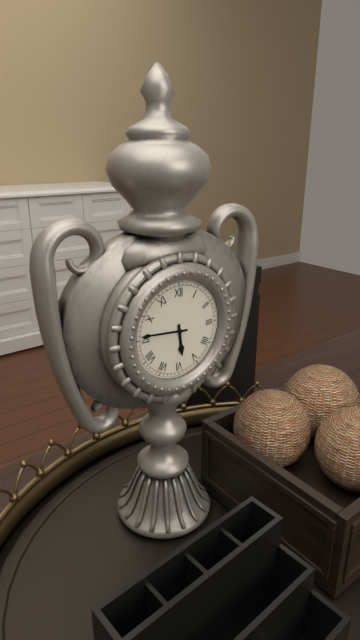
5:46
